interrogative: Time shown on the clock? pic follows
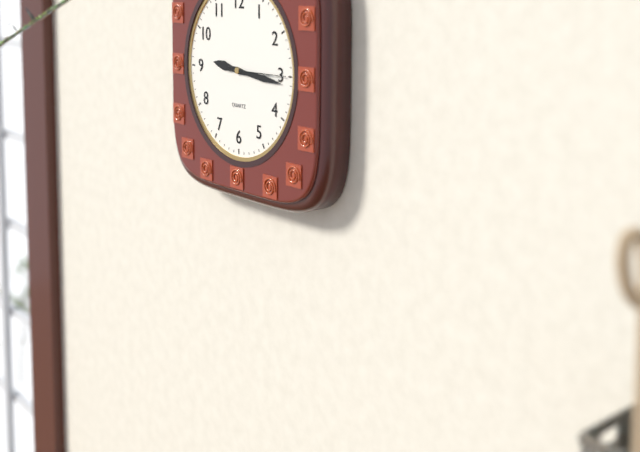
9:16:15
